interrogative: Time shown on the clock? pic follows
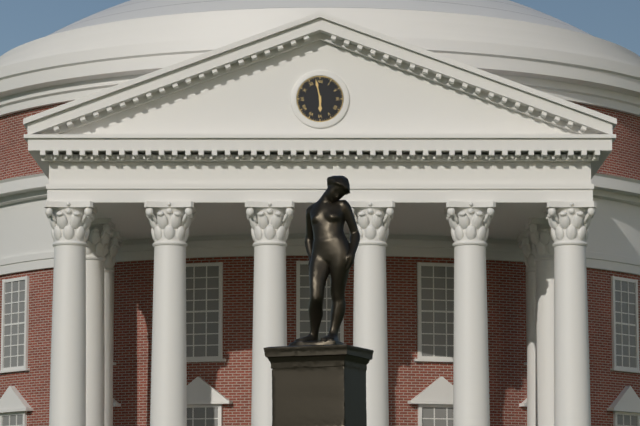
5:58
